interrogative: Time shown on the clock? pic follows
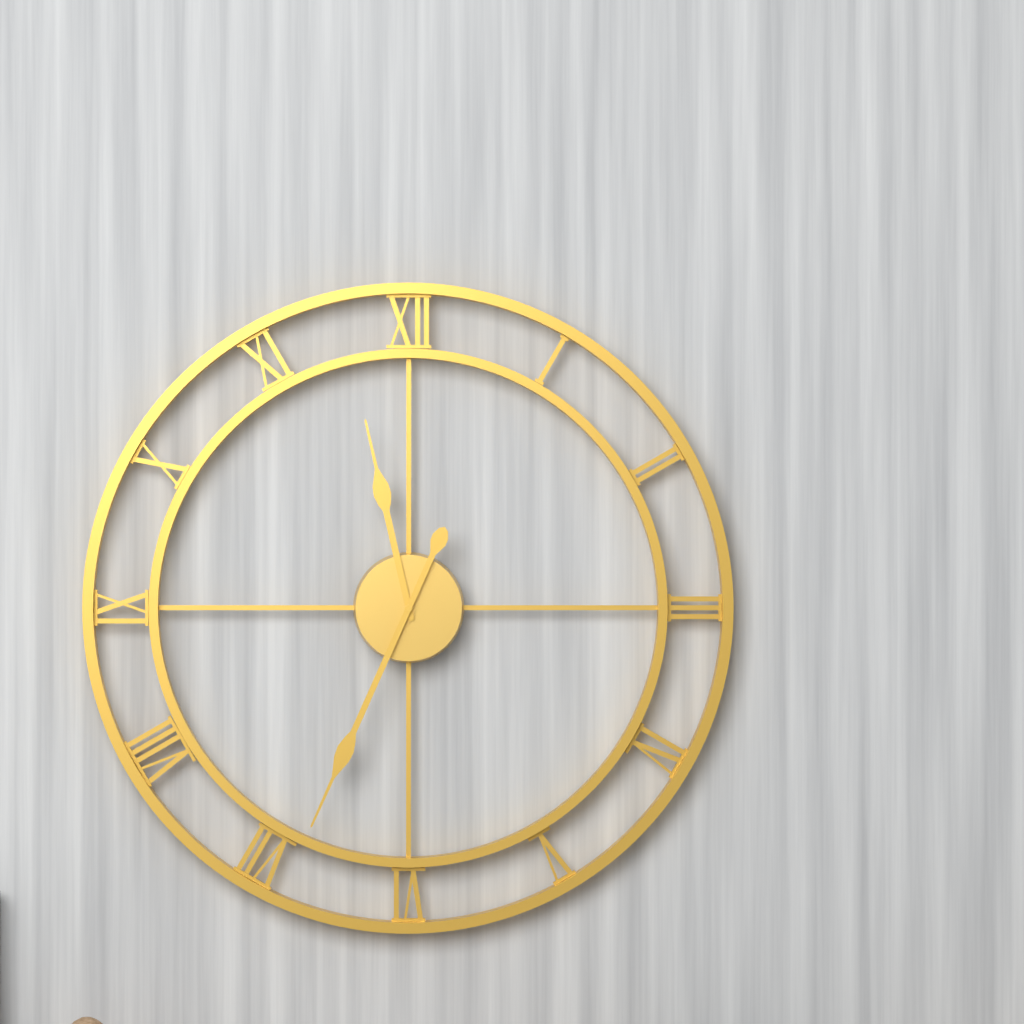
11:34
